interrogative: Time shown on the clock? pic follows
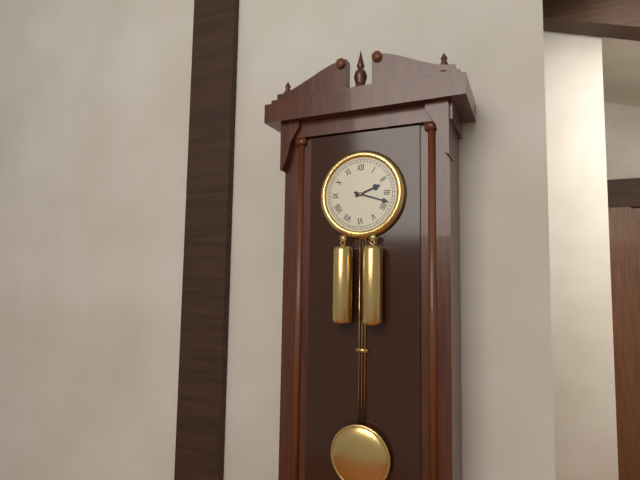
2:18
